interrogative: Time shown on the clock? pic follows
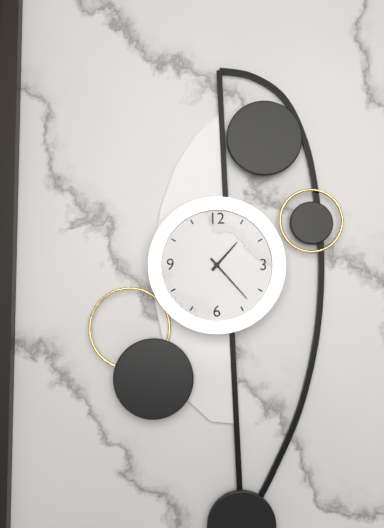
1:23
